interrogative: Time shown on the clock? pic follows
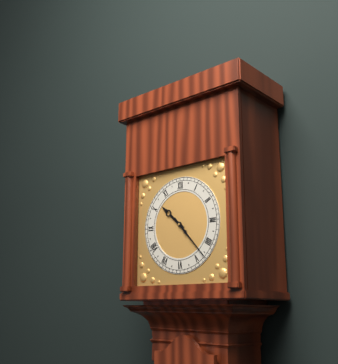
10:23
